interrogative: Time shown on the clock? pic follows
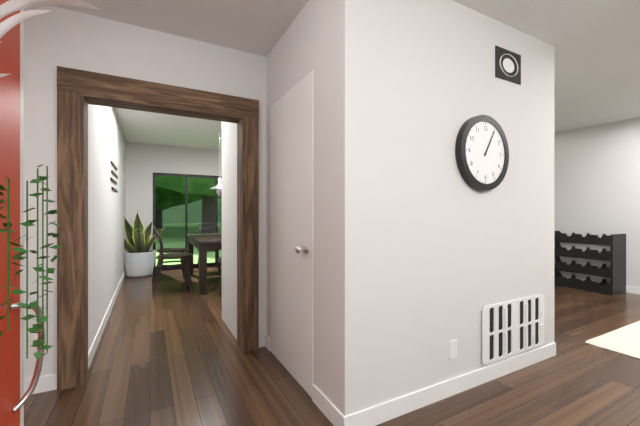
1:05
